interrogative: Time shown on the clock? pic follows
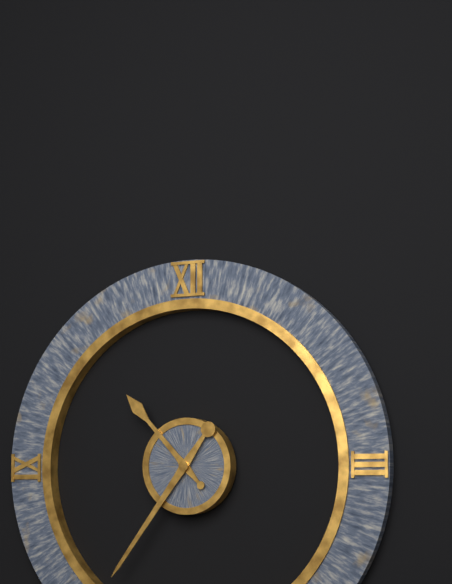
10:36
